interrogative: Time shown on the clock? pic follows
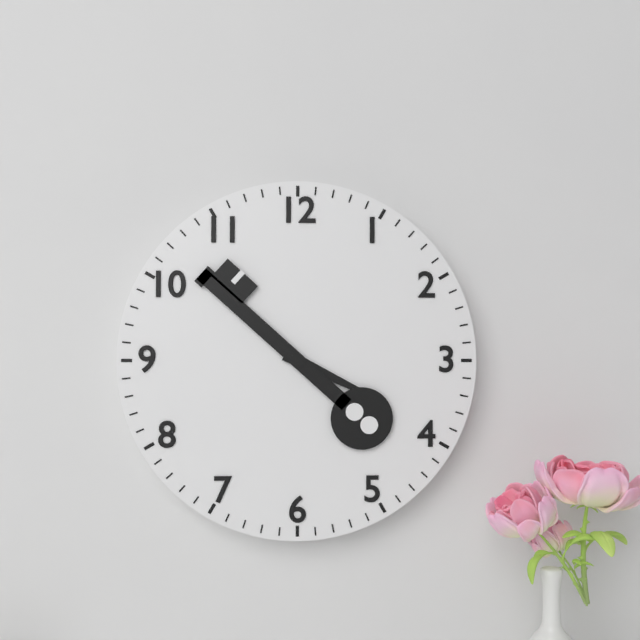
3:52
